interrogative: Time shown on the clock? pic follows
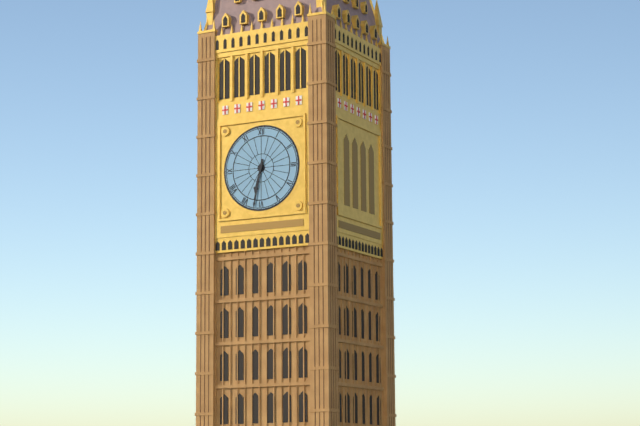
6:32
